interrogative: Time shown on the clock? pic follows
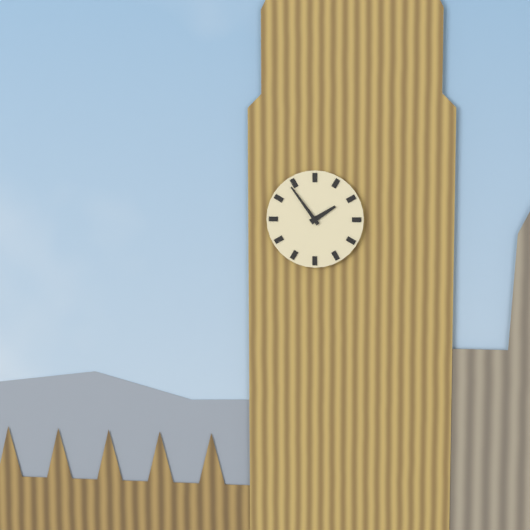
1:54
